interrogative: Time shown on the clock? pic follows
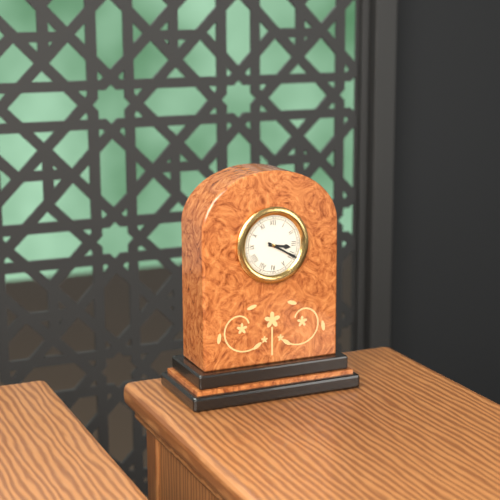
3:20
